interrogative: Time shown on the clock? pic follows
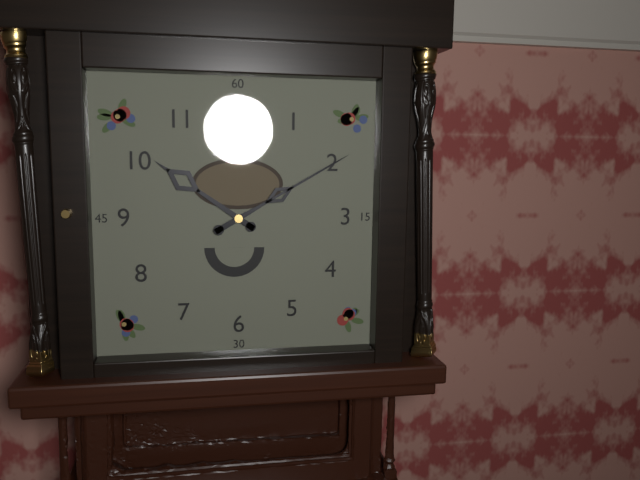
10:10
